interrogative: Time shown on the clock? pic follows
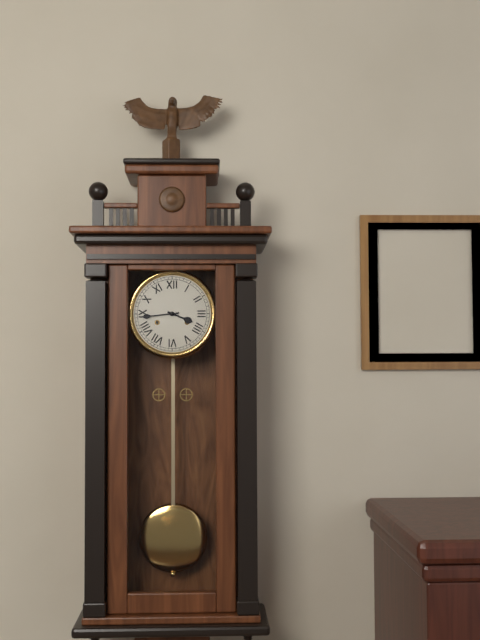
3:44
